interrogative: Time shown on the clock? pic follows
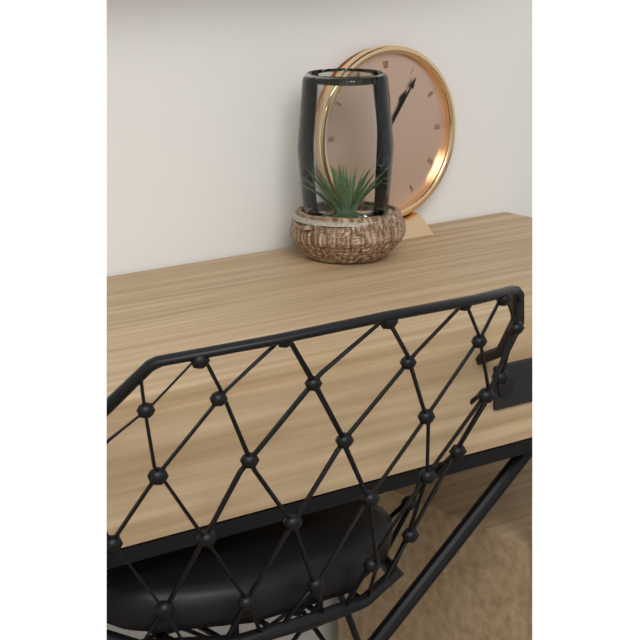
1:06
